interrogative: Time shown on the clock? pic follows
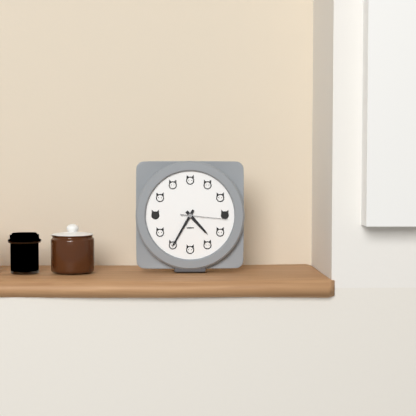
4:35
